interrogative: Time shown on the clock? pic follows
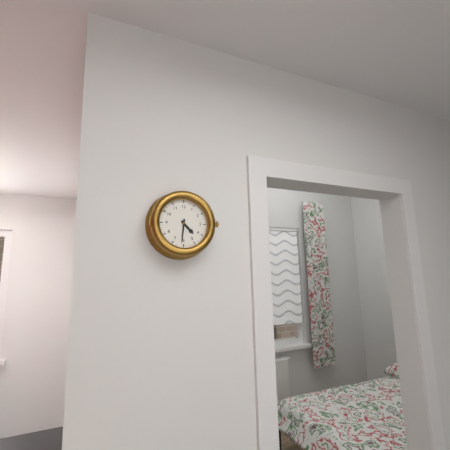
4:31
